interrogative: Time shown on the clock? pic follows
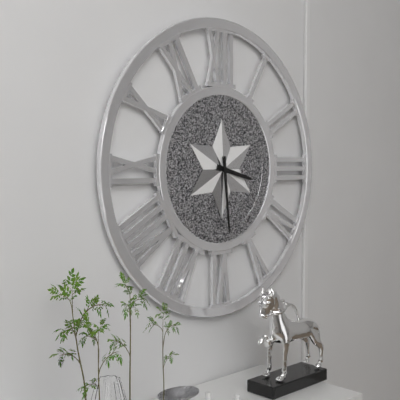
3:29
